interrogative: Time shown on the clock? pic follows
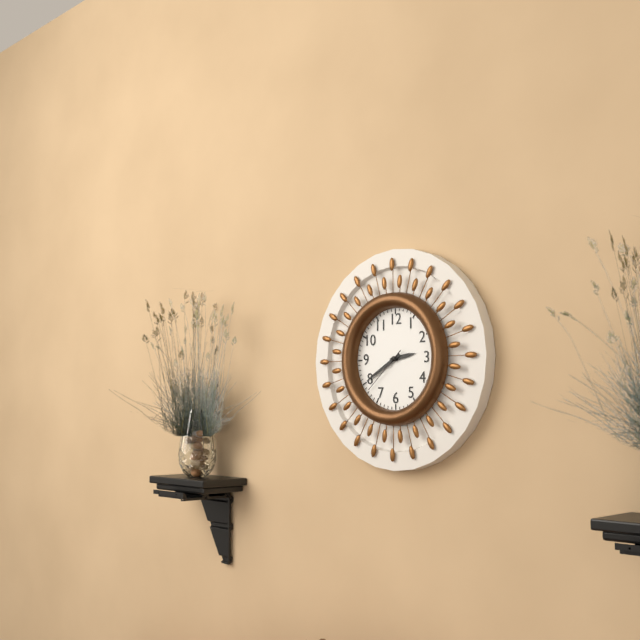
2:40:38
